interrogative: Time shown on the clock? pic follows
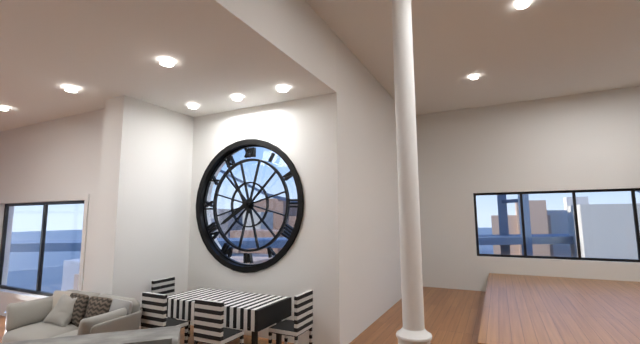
7:55
